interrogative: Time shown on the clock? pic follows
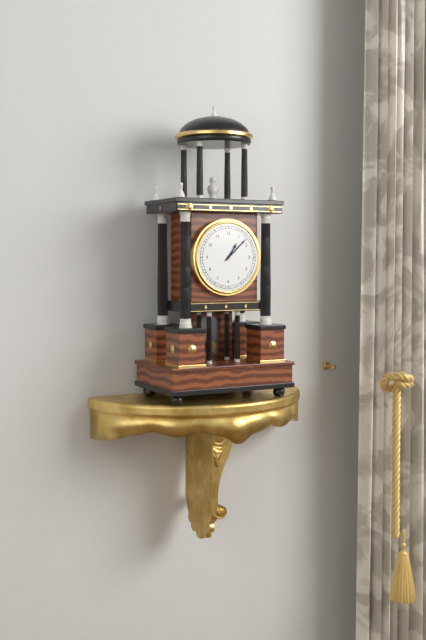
1:08
